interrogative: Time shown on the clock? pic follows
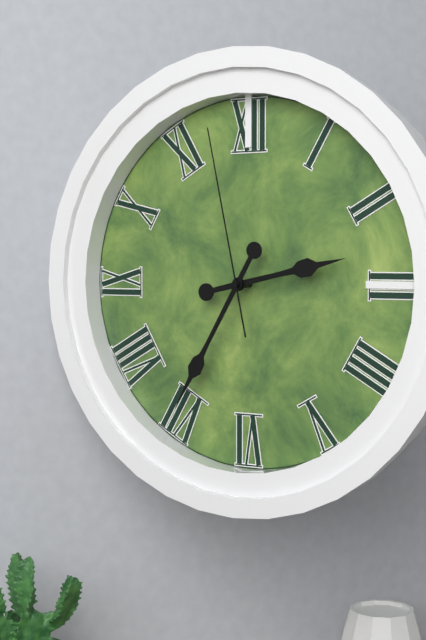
2:35:58
